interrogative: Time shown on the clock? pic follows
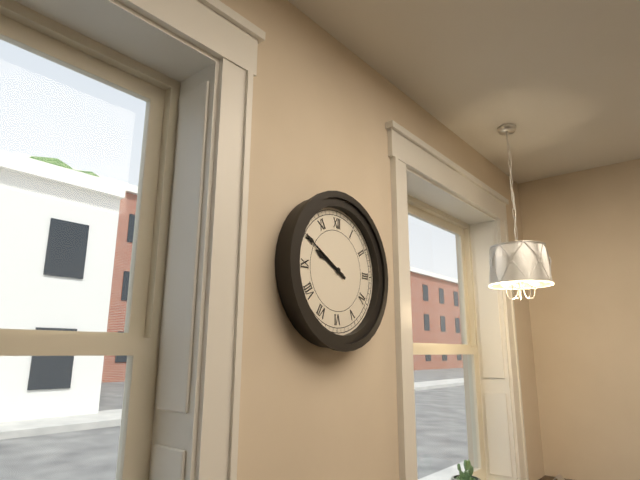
9:50
